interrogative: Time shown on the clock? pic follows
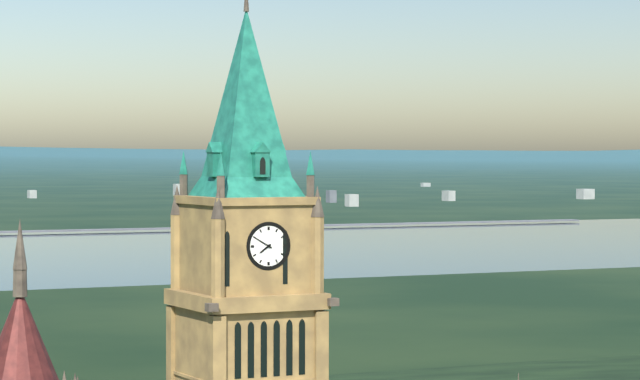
7:50
